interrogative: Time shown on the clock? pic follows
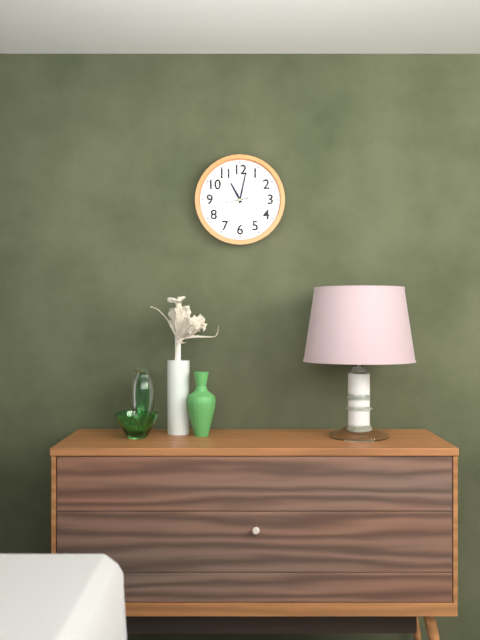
11:02
